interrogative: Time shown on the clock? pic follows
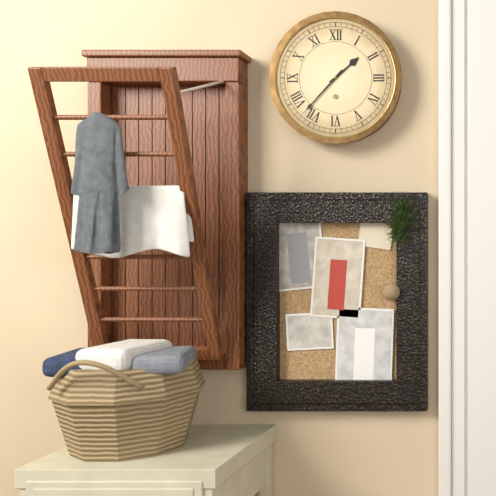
1:37
